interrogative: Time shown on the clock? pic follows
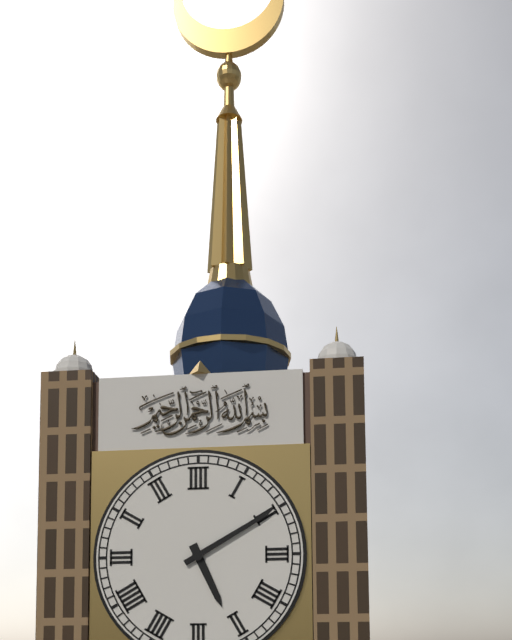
5:10
